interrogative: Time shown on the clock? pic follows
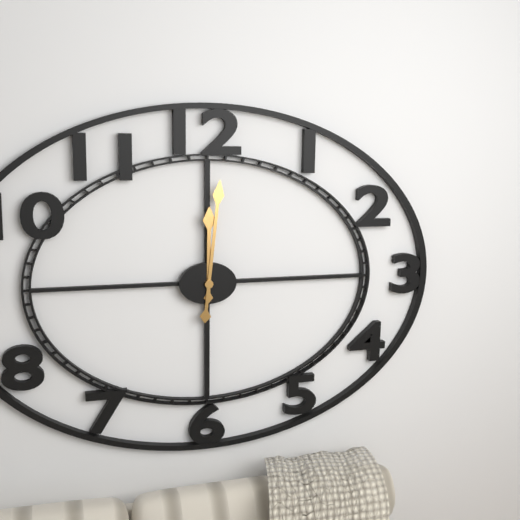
12:01
